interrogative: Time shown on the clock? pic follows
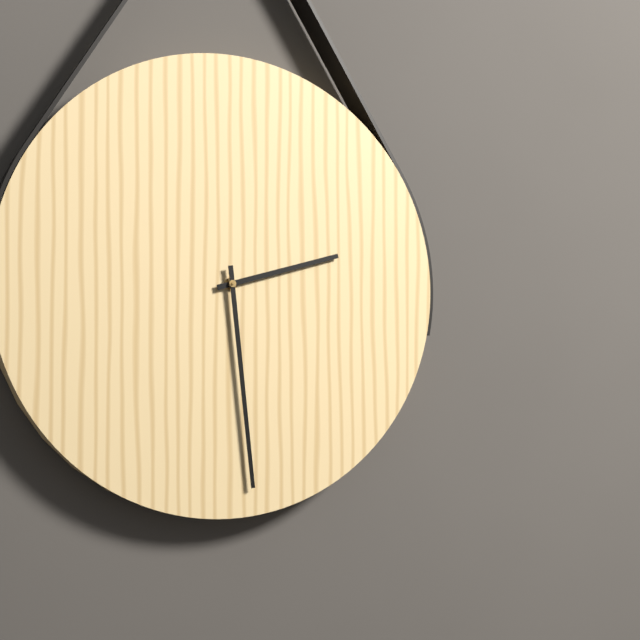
2:29
